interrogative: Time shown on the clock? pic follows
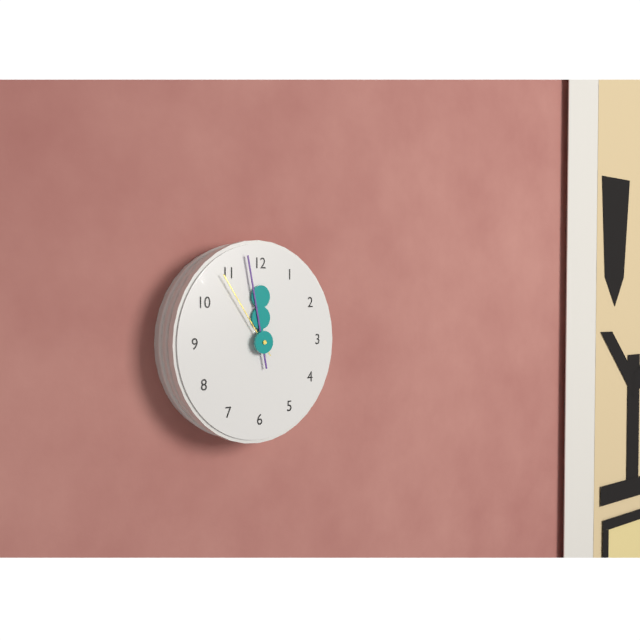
11:58:54
